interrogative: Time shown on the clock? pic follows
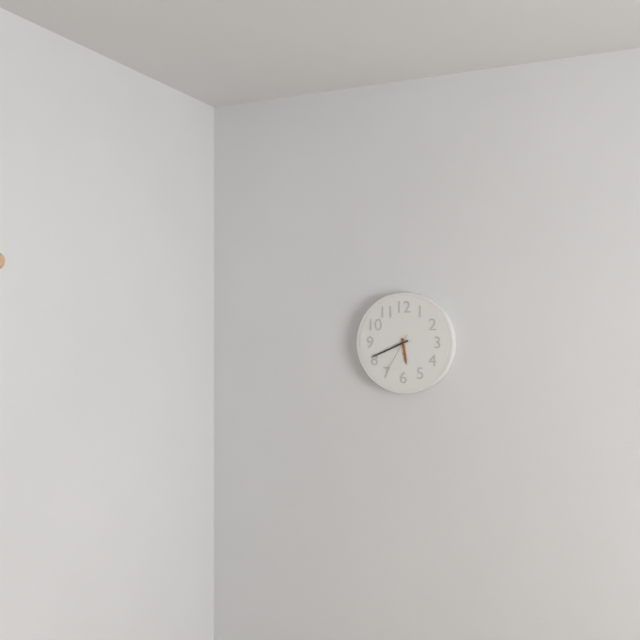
5:41
